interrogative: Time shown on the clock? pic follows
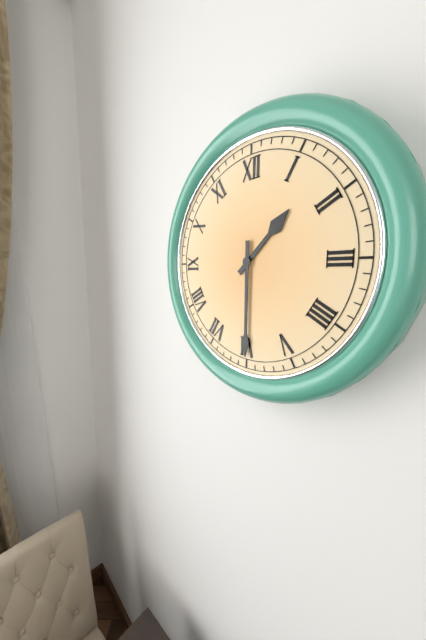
1:30
